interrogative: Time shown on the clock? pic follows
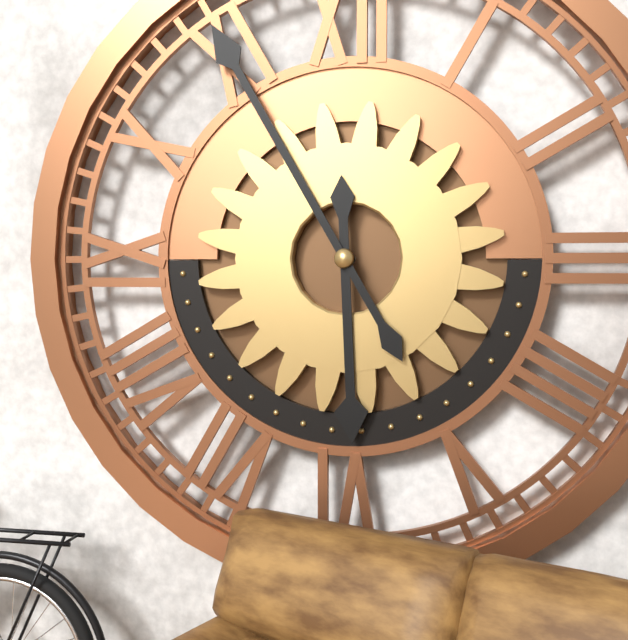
5:55
